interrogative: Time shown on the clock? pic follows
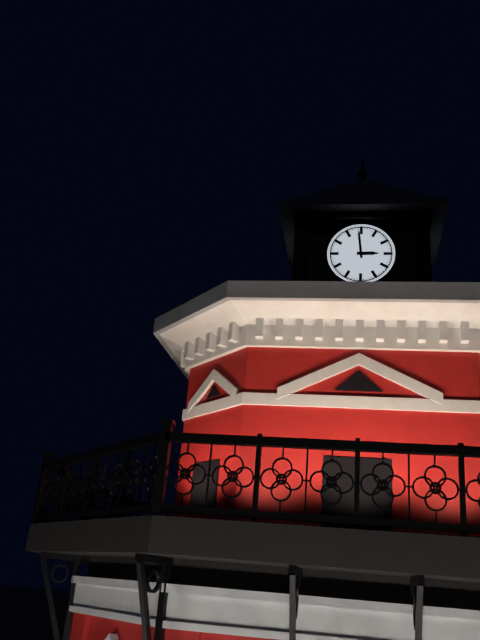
2:59
